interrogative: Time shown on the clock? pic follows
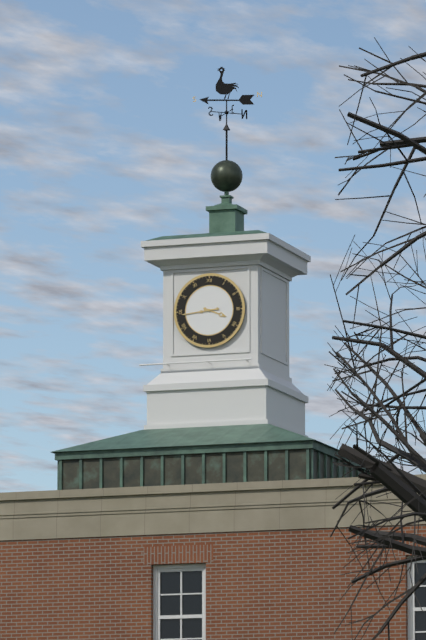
3:44
